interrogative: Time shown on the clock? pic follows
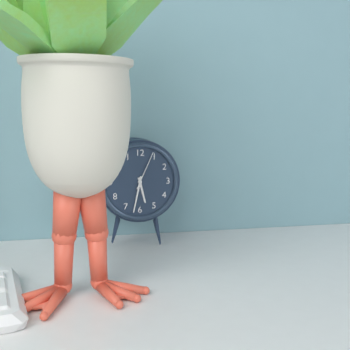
5:32
